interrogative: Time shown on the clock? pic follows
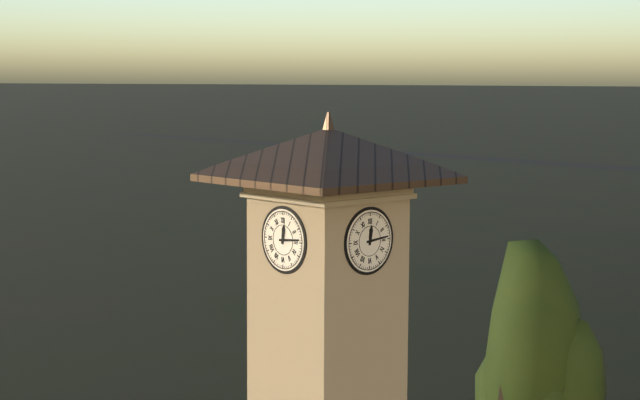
12:14
